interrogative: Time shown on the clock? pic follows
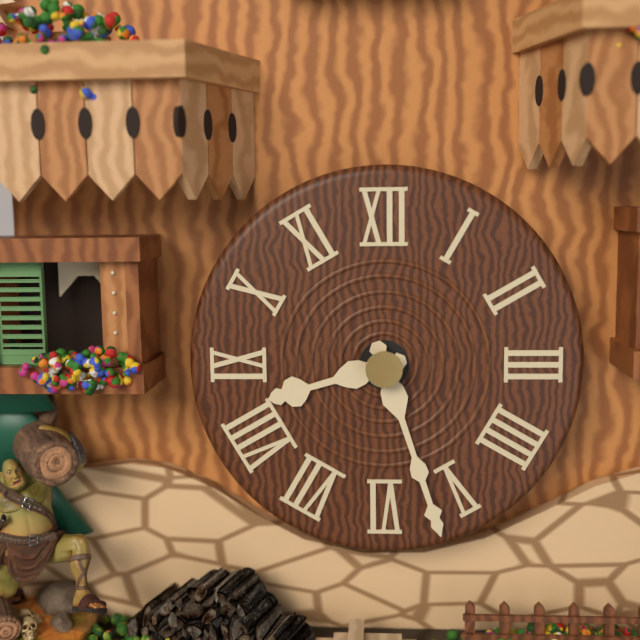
8:27
